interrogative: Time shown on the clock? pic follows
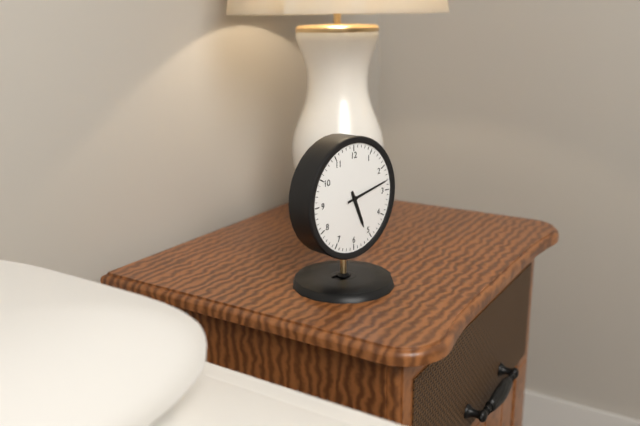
5:13
